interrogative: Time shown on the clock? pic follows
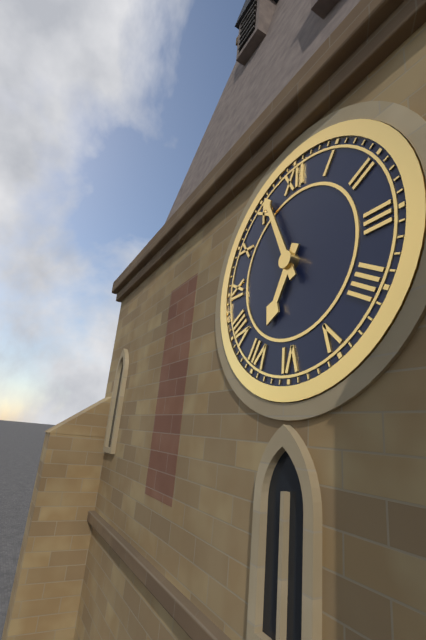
6:56
